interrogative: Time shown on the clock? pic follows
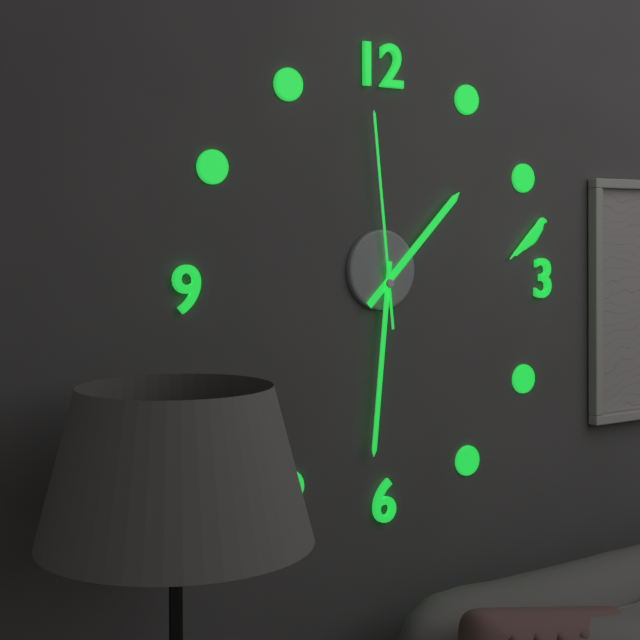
1:31:59
